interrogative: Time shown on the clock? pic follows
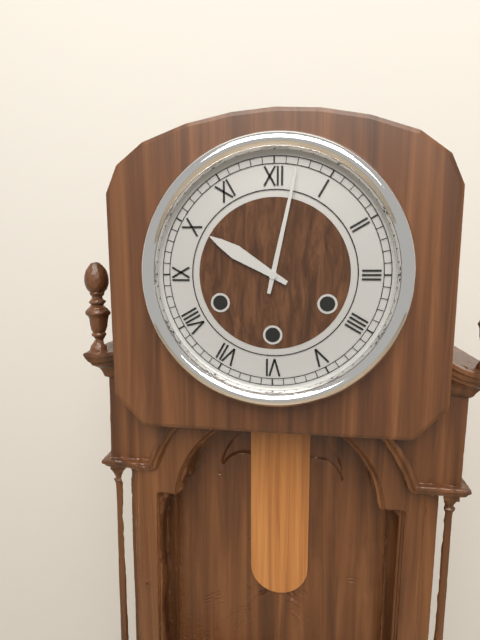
10:02
